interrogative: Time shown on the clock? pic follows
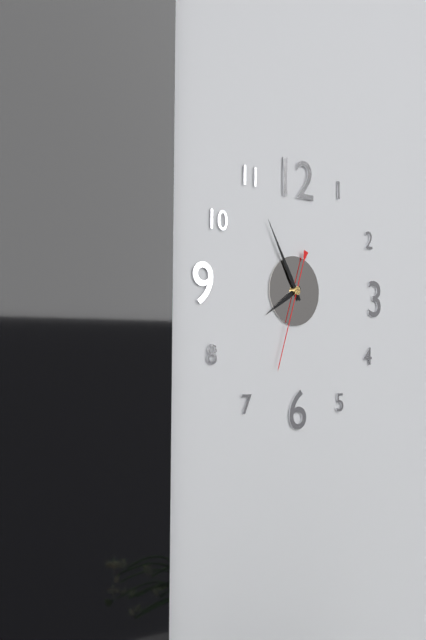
7:55:33
